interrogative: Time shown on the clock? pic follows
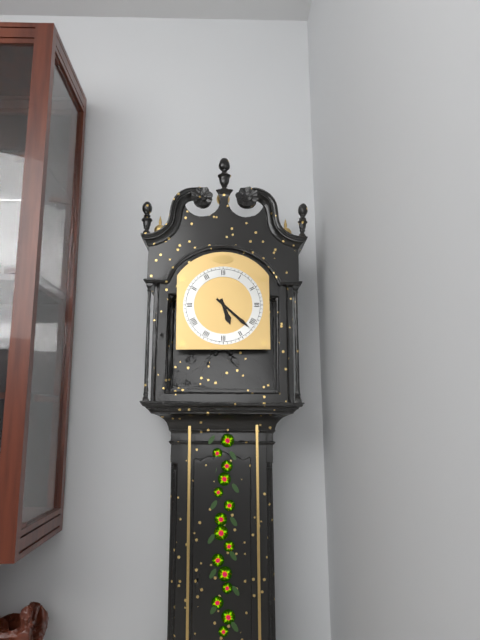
5:22
